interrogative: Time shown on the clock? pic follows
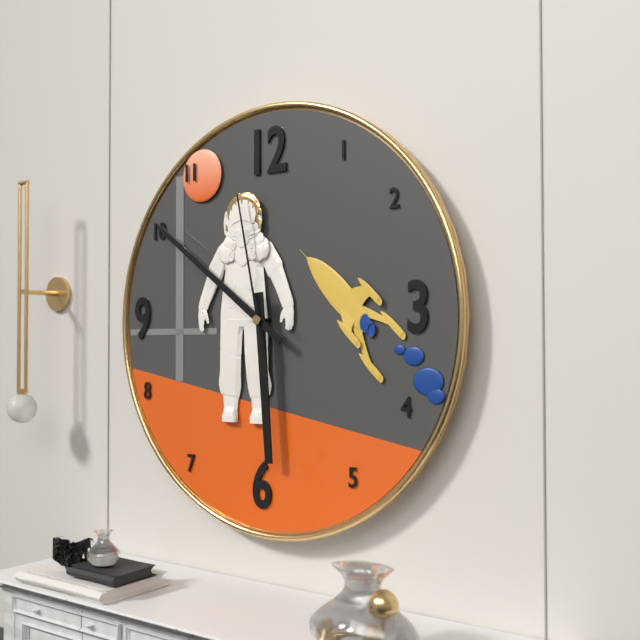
5:51:58
